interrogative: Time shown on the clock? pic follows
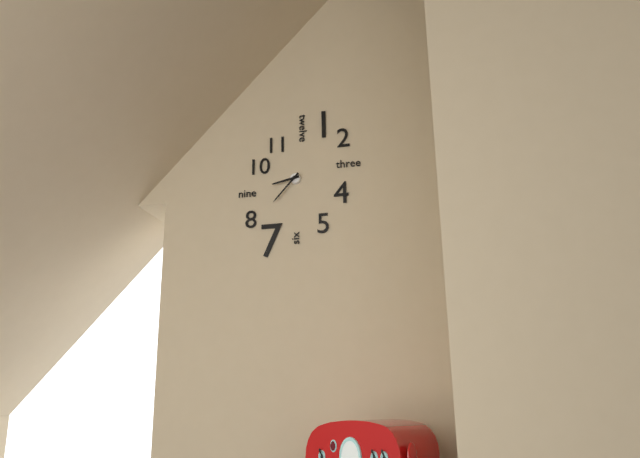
8:37
